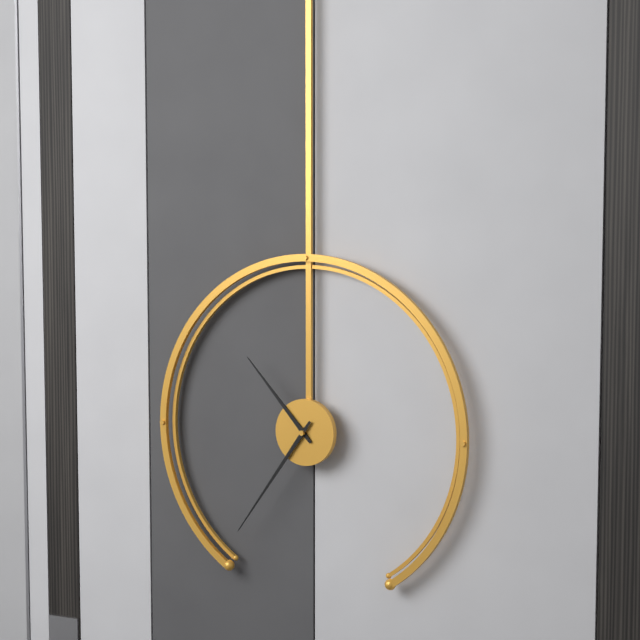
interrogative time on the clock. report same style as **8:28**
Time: **10:36**
